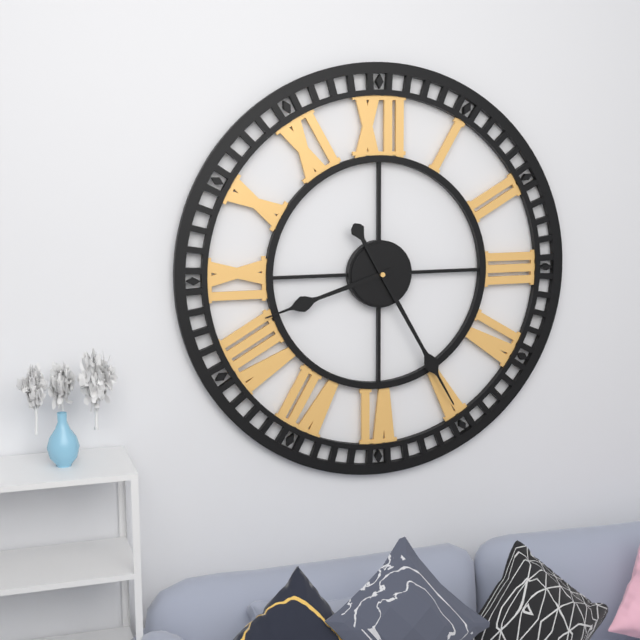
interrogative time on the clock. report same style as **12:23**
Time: **8:25**
